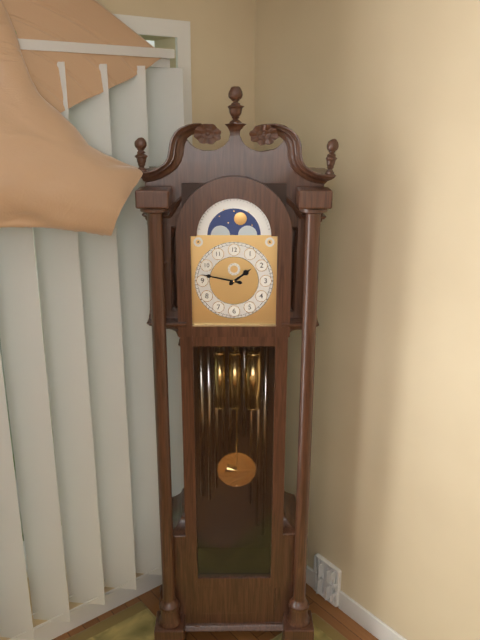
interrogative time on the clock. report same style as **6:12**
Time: **1:47**
